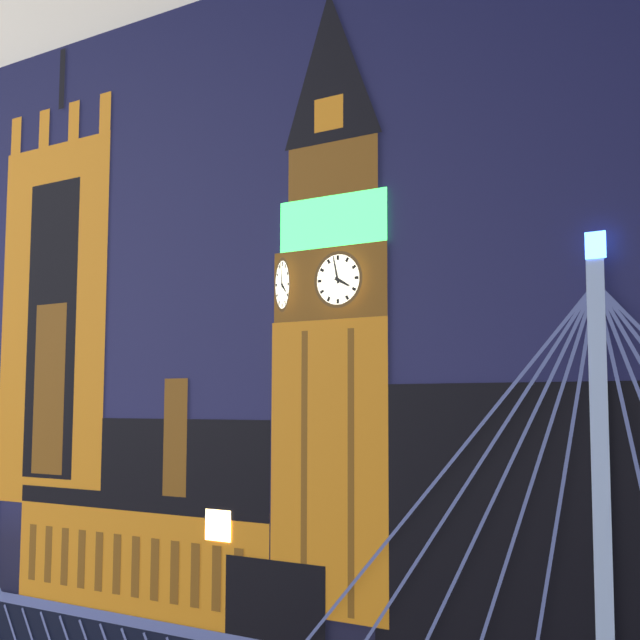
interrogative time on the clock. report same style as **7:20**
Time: **3:58**
